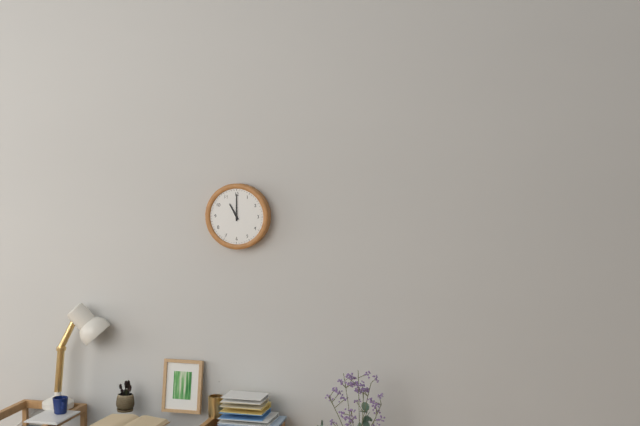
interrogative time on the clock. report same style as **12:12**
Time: **11:00**
